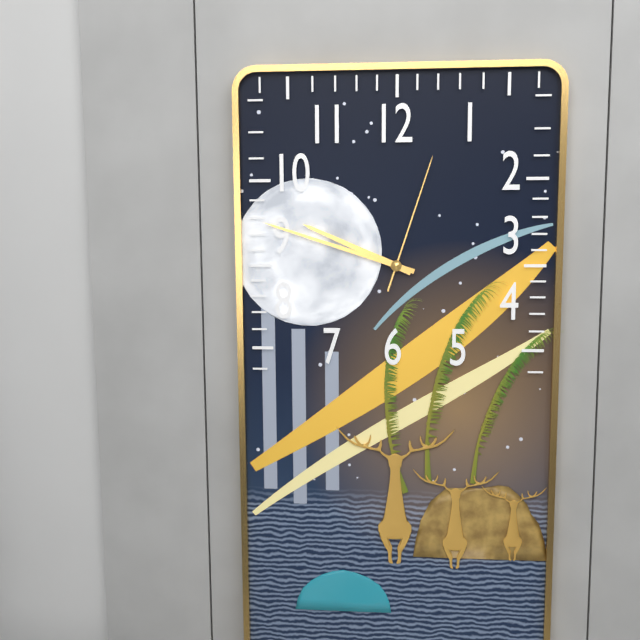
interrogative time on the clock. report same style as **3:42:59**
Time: **9:48:03**
